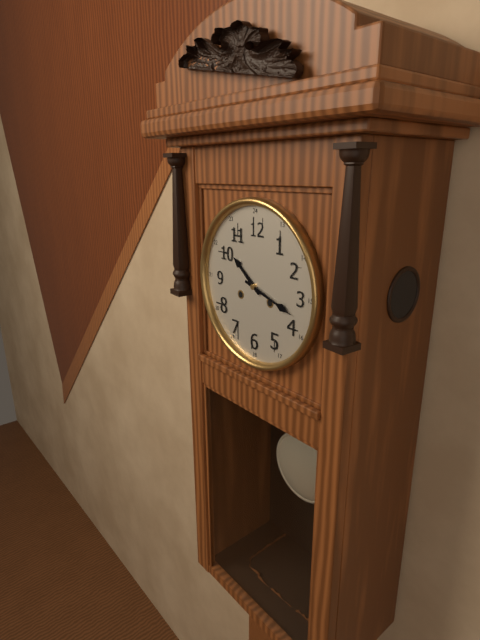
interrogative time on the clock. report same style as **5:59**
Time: **10:18**
